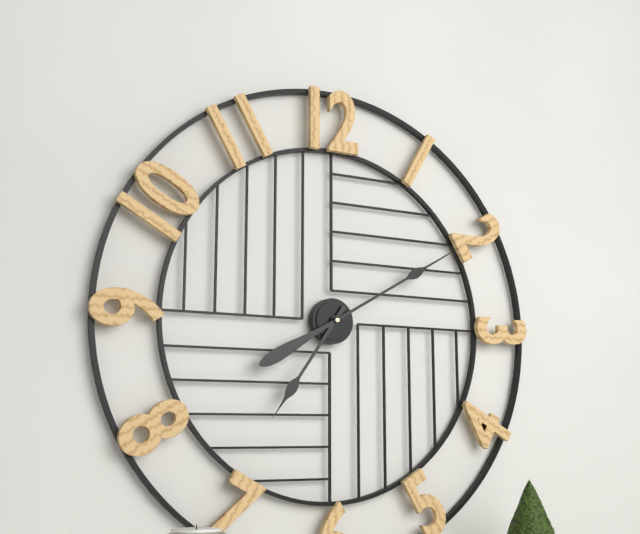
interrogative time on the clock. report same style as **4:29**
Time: **7:10**
